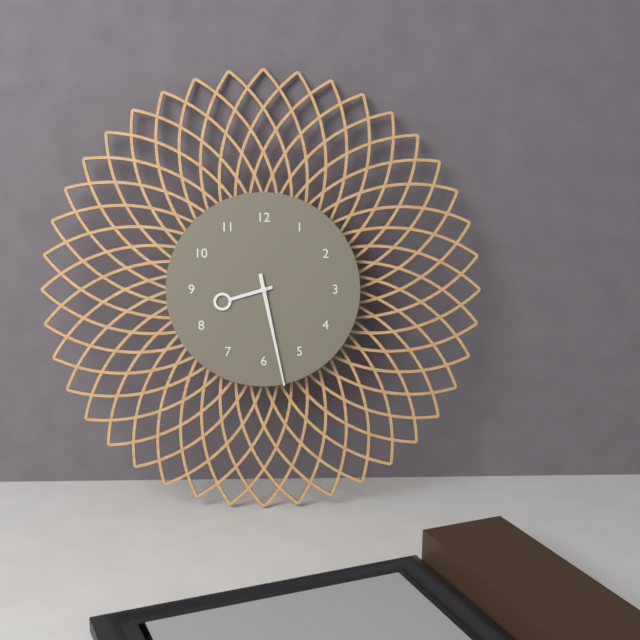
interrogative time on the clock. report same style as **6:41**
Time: **8:28**
